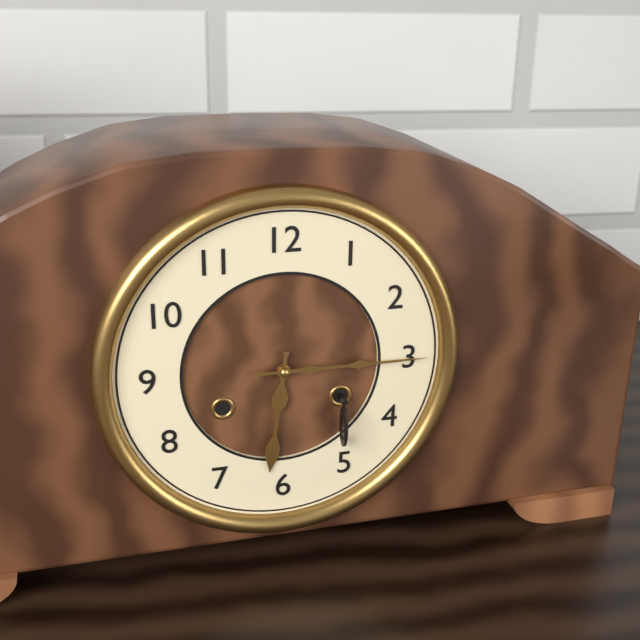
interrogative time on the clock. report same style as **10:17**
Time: **6:15**
